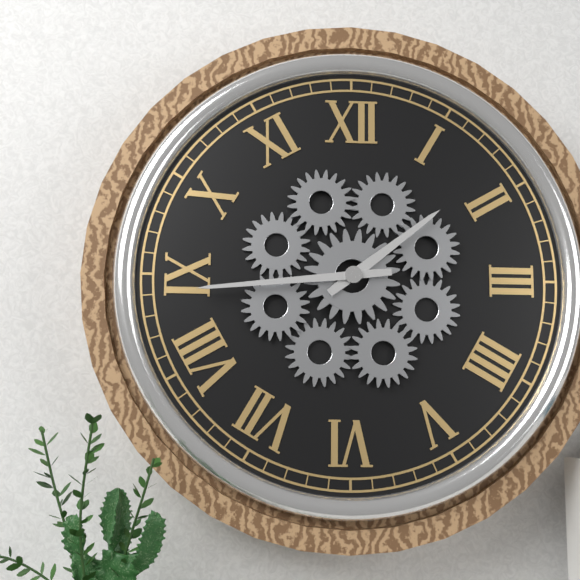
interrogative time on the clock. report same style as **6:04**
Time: **1:44**
